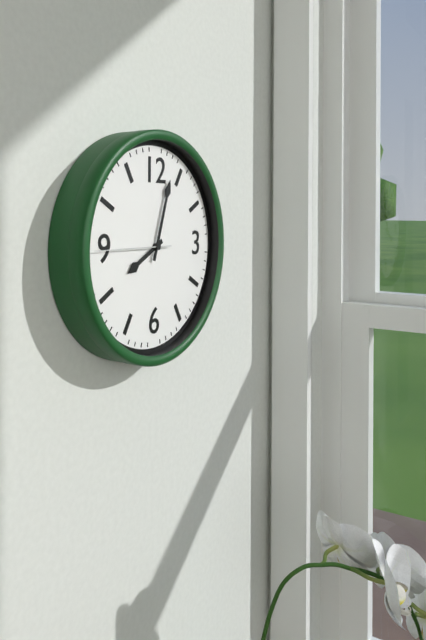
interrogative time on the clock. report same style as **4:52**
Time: **8:03**
